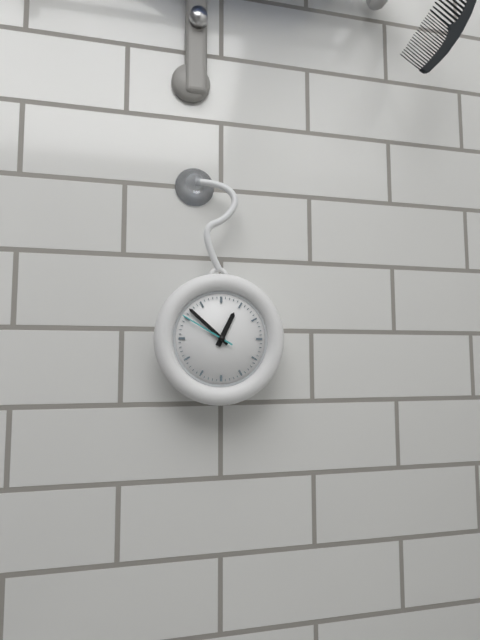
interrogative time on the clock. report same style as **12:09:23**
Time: **12:52:50**
